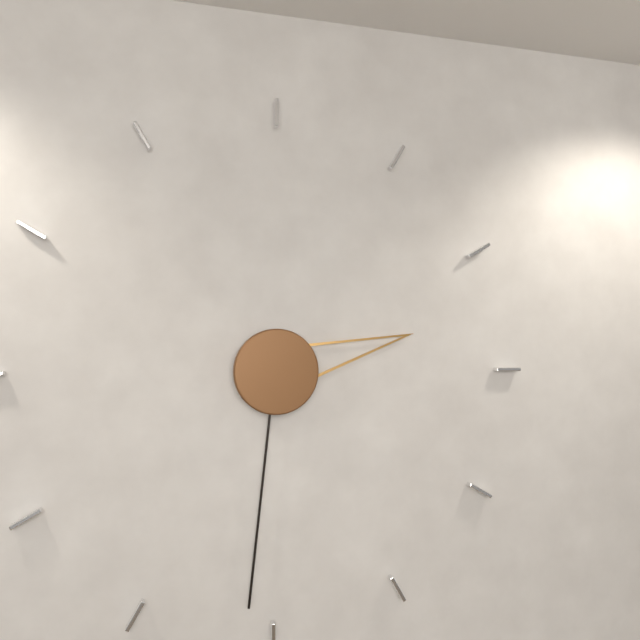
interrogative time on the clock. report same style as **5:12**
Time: **2:31**
